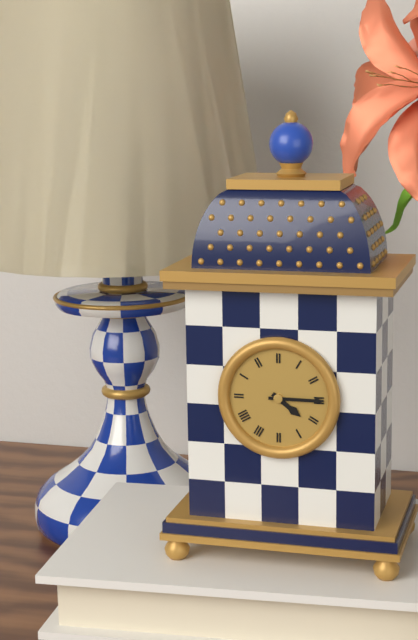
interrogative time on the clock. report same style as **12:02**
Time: **4:15**
